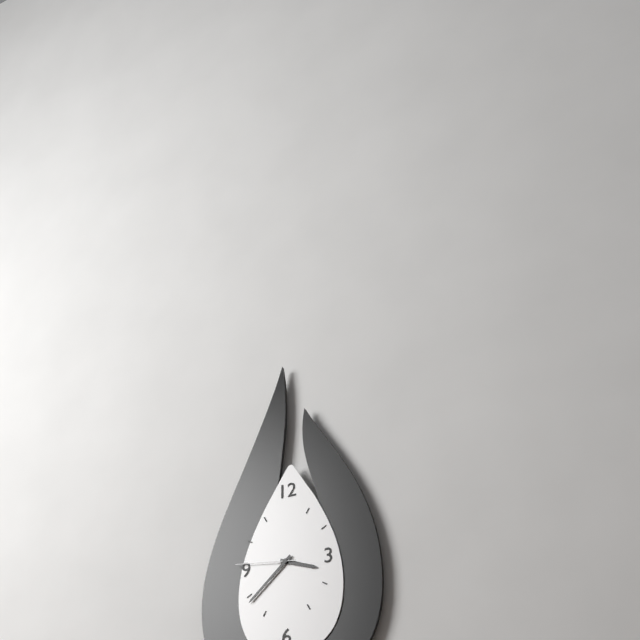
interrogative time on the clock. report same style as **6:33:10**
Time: **3:38:46**
